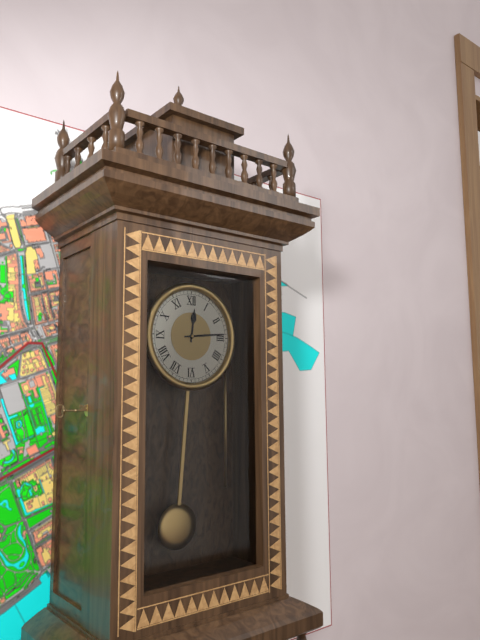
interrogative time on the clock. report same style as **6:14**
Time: **12:14**
